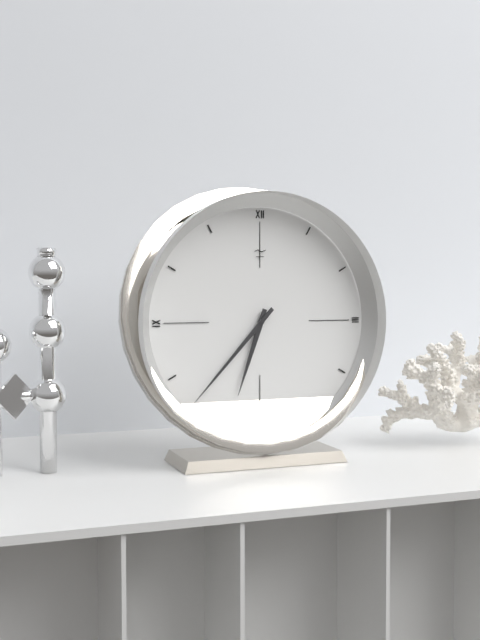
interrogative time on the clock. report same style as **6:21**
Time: **6:37**
